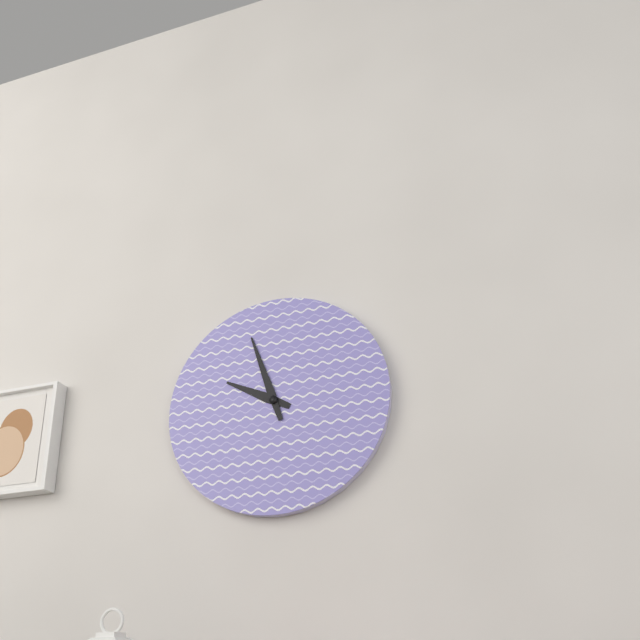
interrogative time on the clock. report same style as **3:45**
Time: **9:57**
